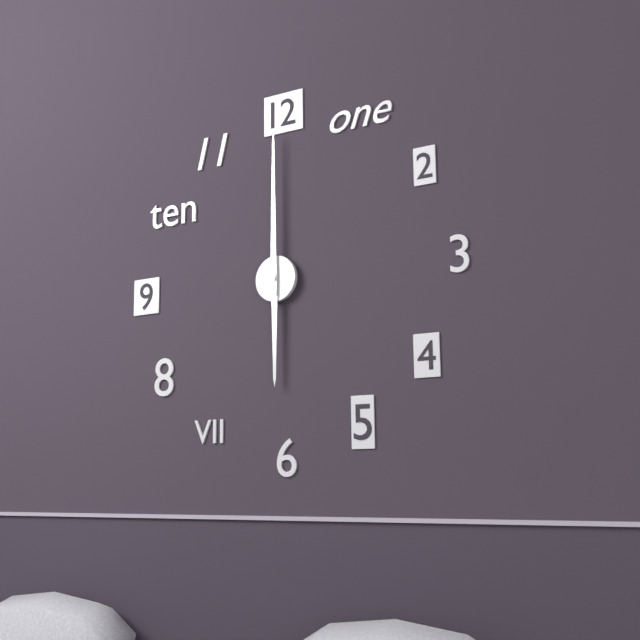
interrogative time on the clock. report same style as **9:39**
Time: **6:00**
